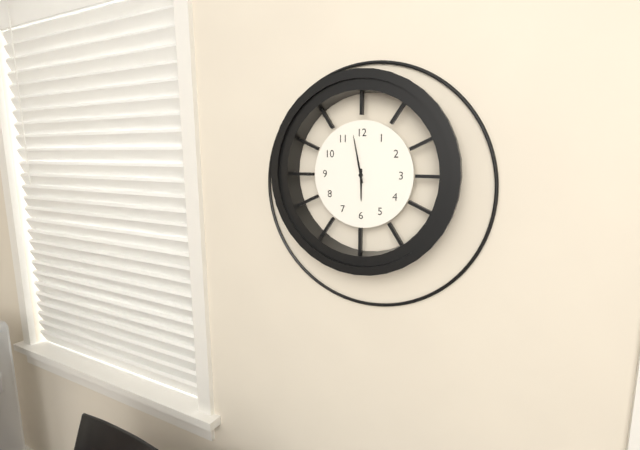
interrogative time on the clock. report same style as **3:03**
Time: **5:58**
